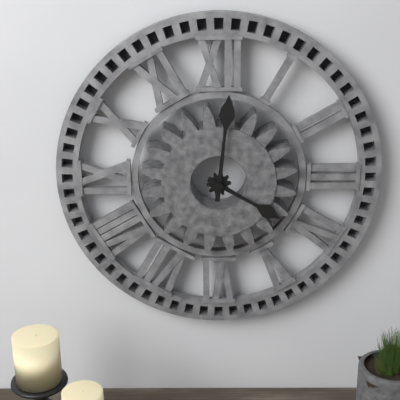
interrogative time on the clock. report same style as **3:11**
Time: **4:01**
